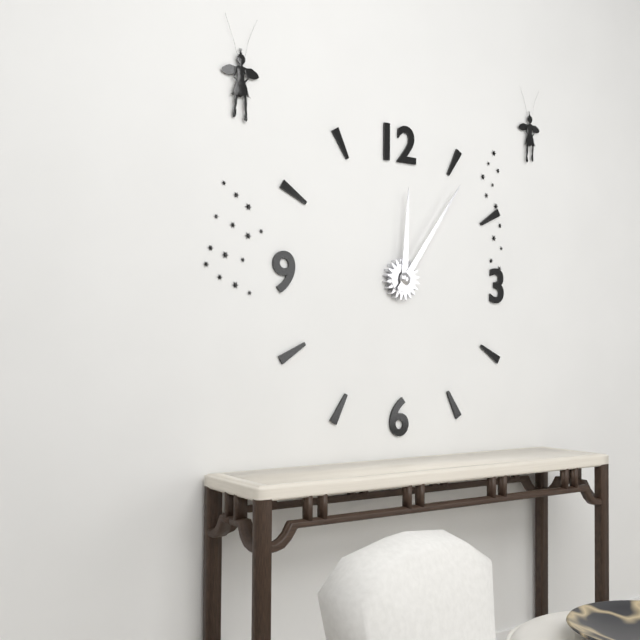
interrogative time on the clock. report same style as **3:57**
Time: **12:06**
